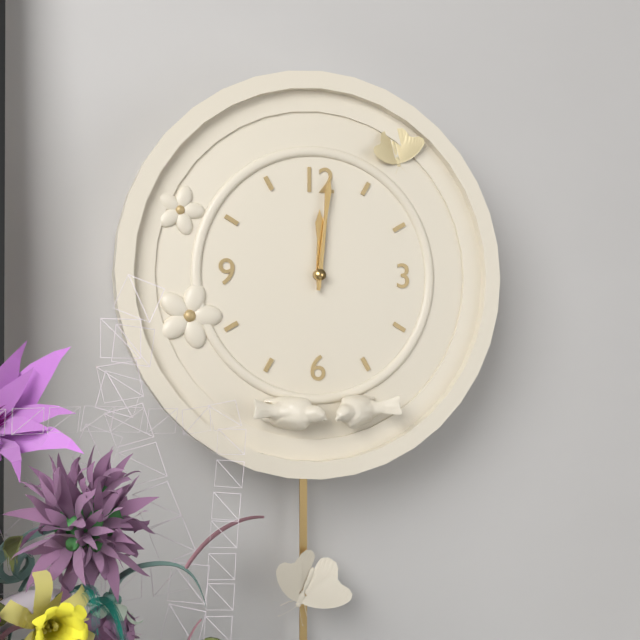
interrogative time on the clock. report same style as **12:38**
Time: **12:01**
